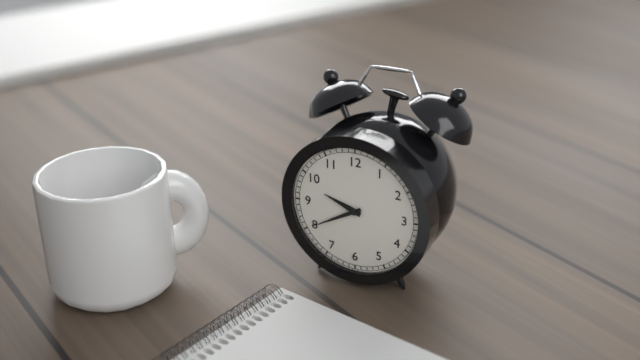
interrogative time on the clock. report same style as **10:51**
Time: **9:40**
